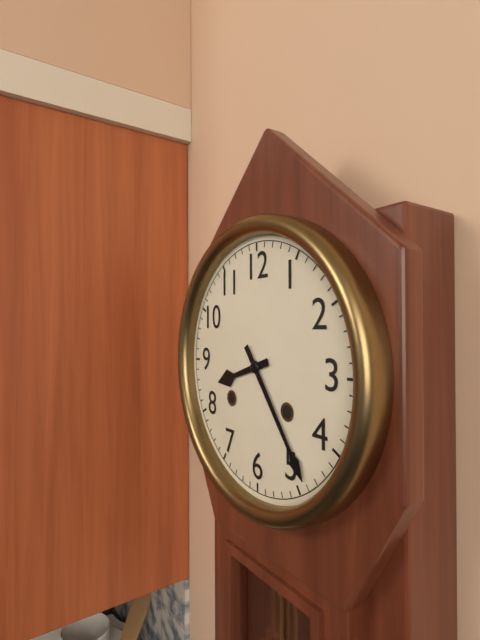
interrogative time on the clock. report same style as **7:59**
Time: **8:24**
